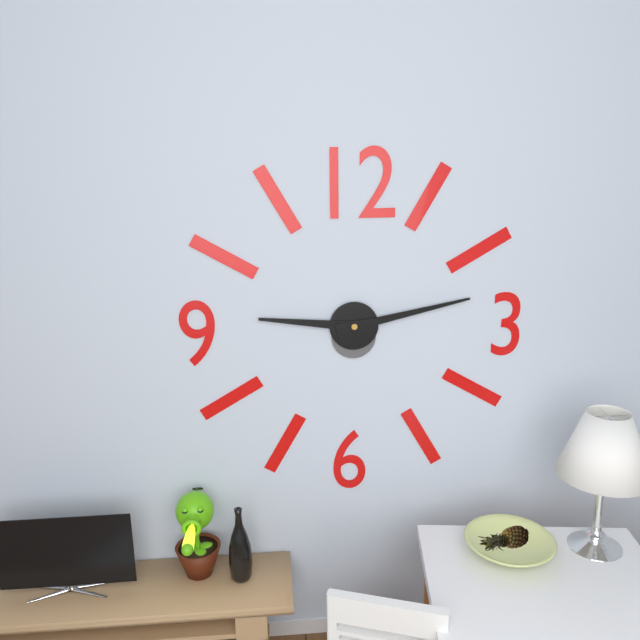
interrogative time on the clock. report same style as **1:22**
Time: **9:13**
